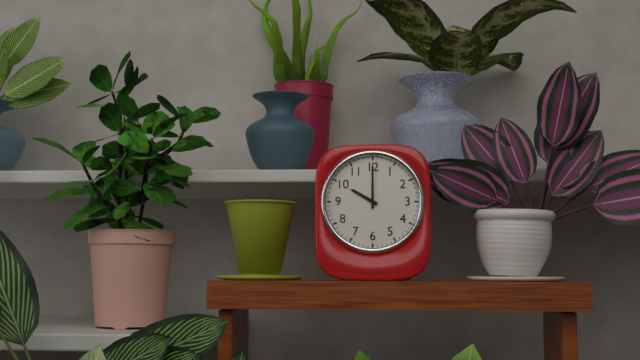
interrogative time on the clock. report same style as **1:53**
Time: **10:00**
